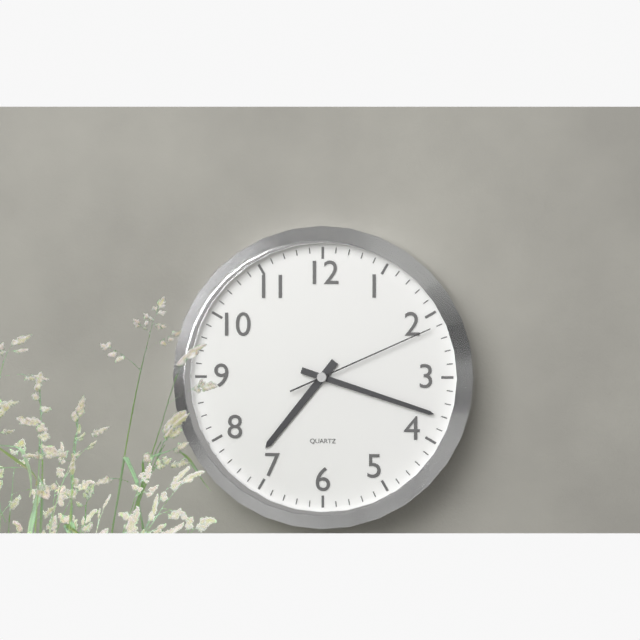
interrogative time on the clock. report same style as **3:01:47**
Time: **7:18:11**
